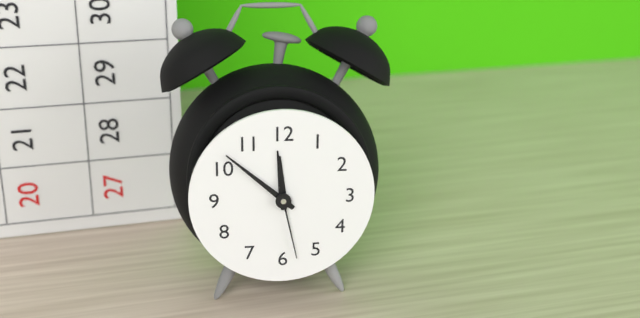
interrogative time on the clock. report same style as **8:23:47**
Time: **11:52:28**
